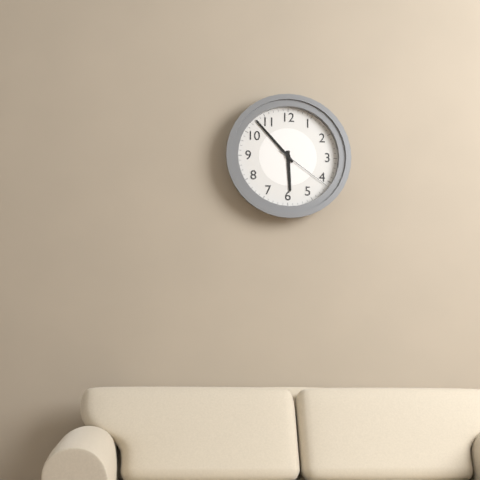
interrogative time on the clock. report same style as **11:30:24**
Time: **5:53:21**
